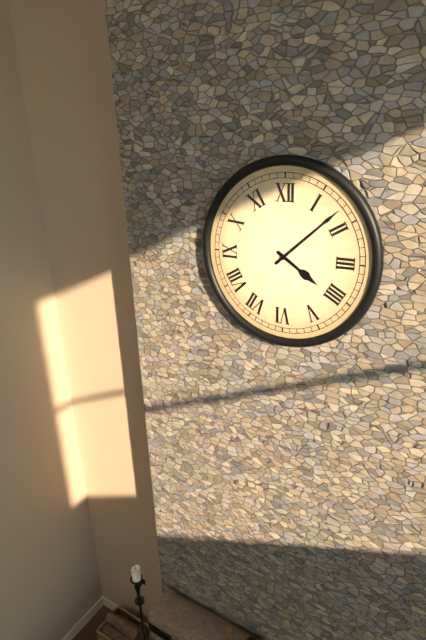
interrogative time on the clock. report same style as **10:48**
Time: **4:08**
